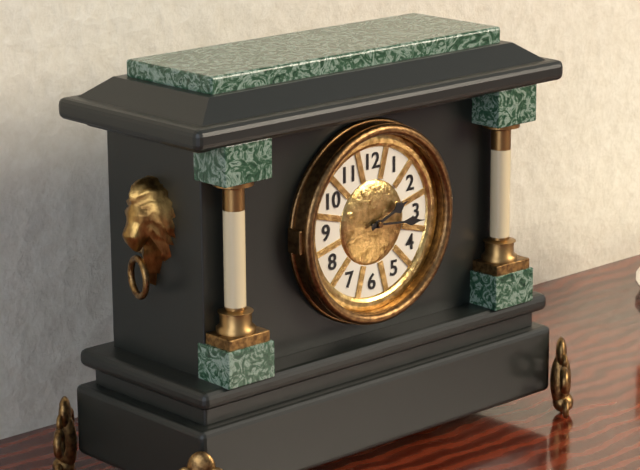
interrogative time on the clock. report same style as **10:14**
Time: **2:16**
